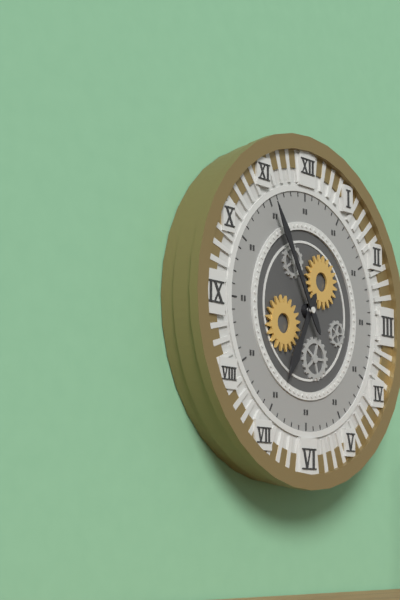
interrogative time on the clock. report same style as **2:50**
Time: **6:55**
